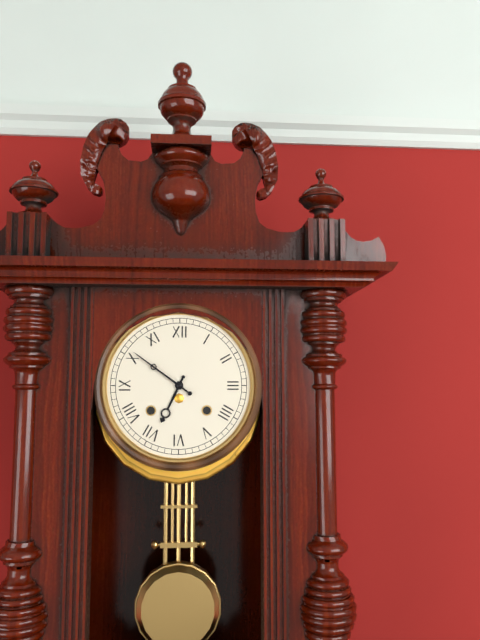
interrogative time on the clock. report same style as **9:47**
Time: **6:51**
